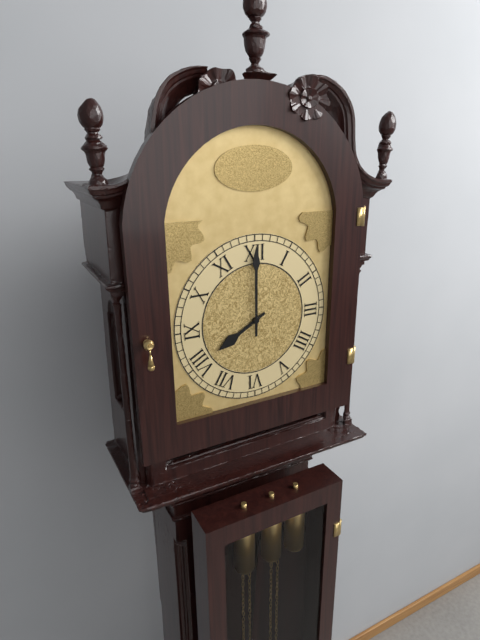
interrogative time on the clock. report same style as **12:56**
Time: **8:00**
